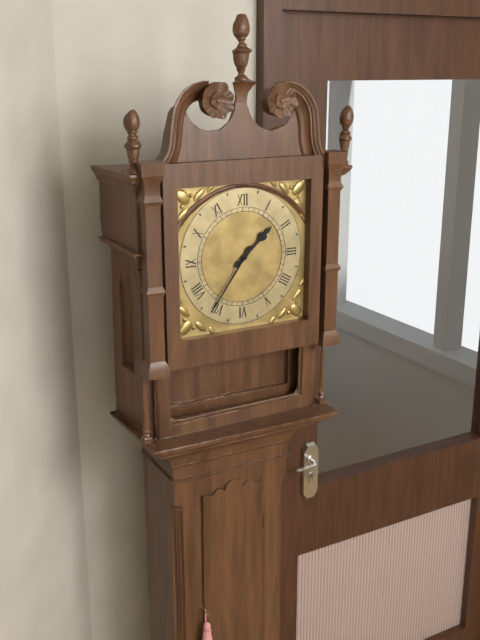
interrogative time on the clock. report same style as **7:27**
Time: **1:36**
